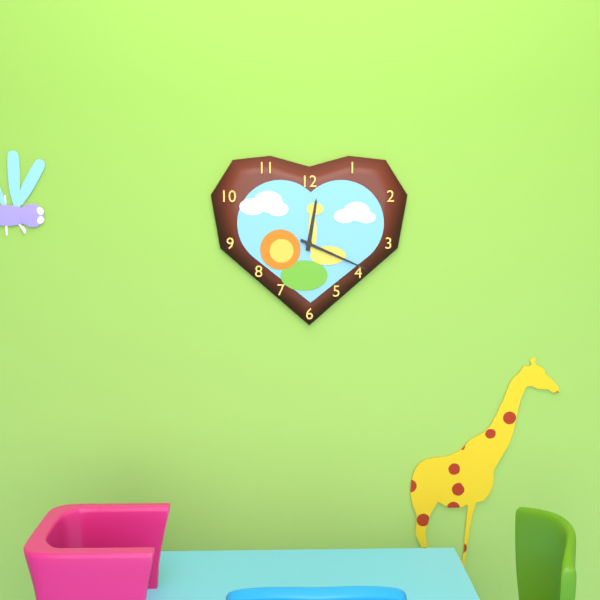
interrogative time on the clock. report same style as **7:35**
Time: **12:19**
